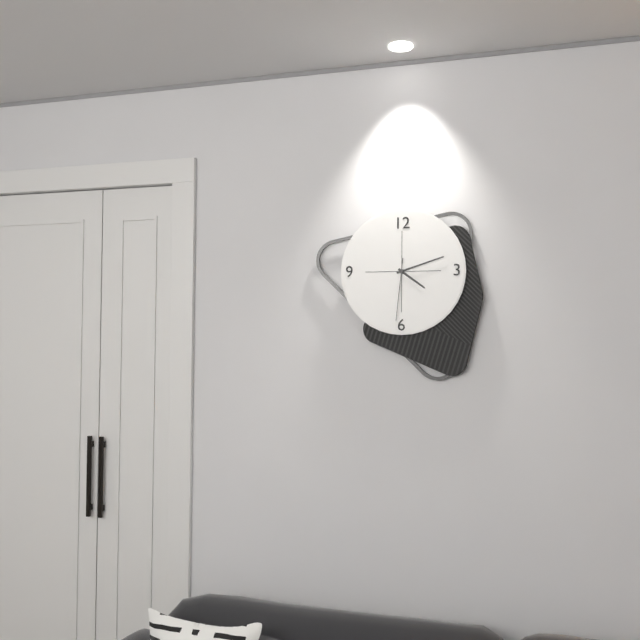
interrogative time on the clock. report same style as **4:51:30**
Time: **4:12:31**
